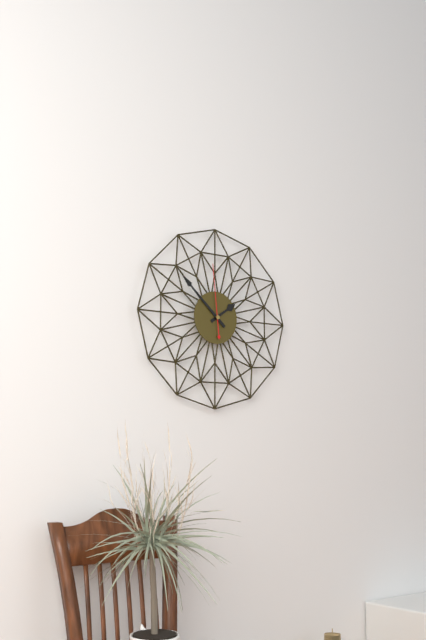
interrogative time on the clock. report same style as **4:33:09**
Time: **1:52:59**
